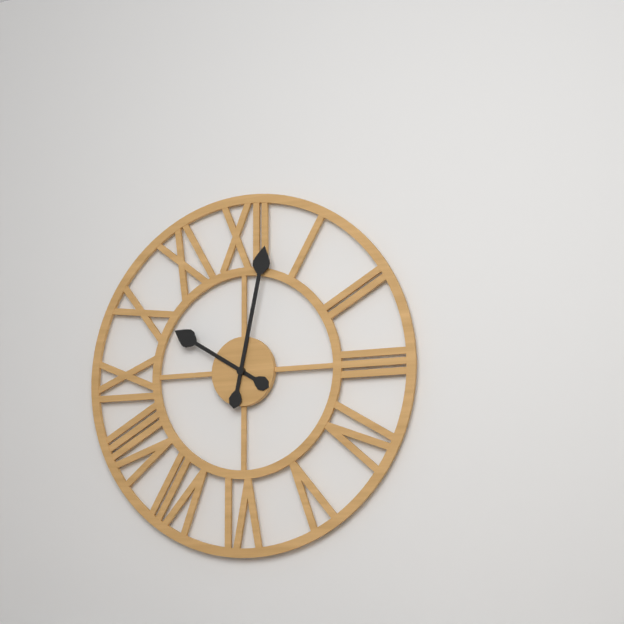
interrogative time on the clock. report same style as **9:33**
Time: **10:02**
